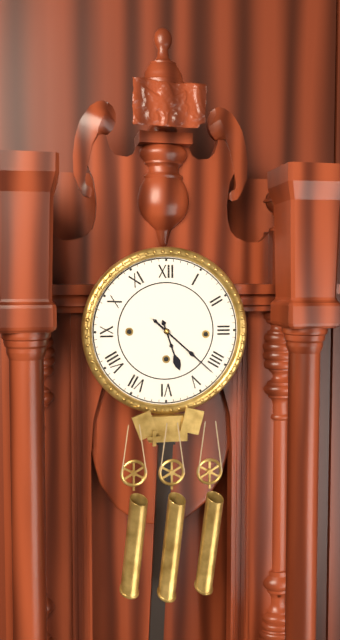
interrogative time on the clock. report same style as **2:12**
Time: **5:22**
